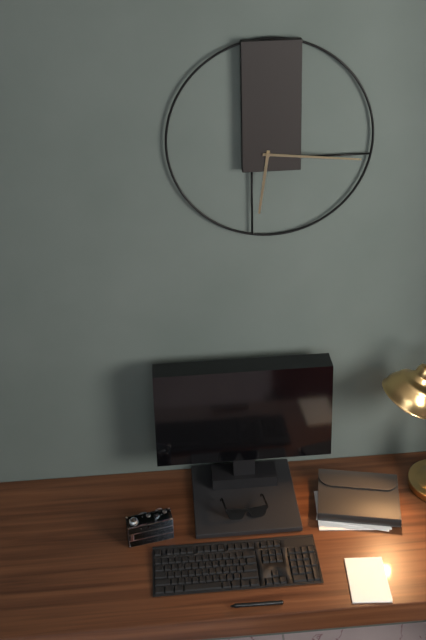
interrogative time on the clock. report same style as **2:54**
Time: **6:16**
